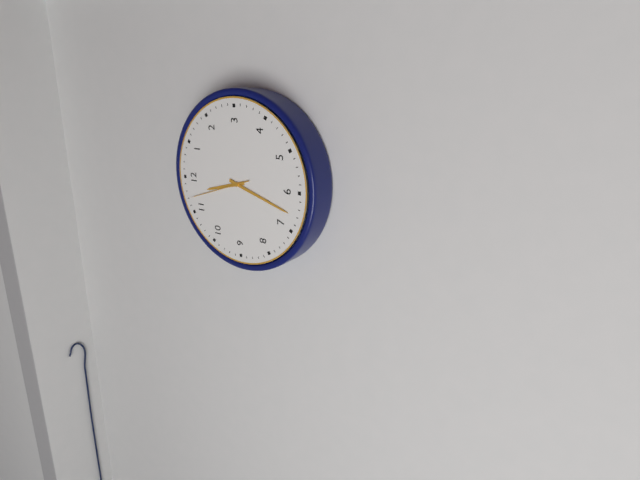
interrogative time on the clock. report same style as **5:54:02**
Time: **11:33:57**
